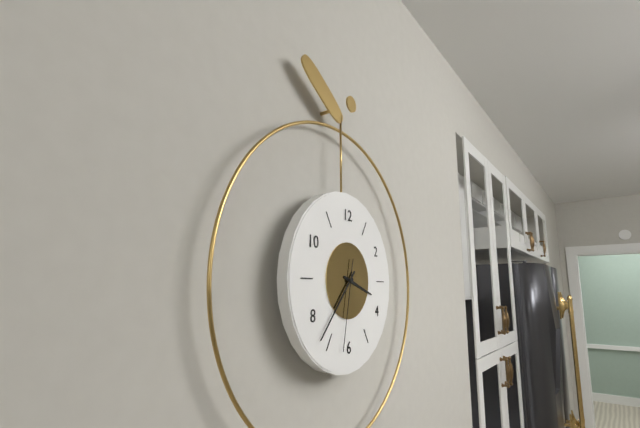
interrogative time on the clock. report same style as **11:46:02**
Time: **3:37:32**
